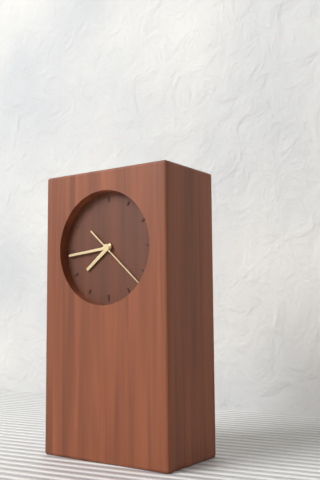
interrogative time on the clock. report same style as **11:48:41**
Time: **7:44:22**
